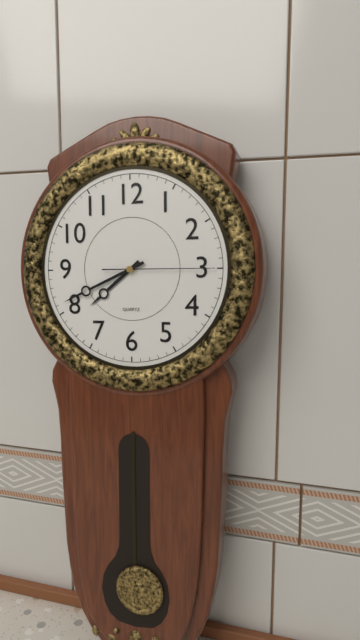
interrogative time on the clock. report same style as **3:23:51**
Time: **7:41:15**
